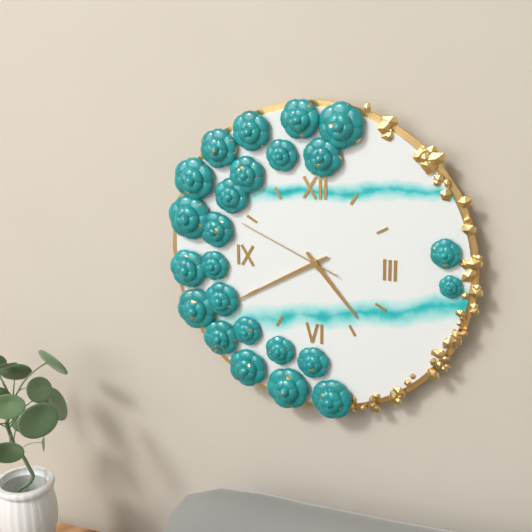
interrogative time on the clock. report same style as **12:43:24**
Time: **4:40:49**
